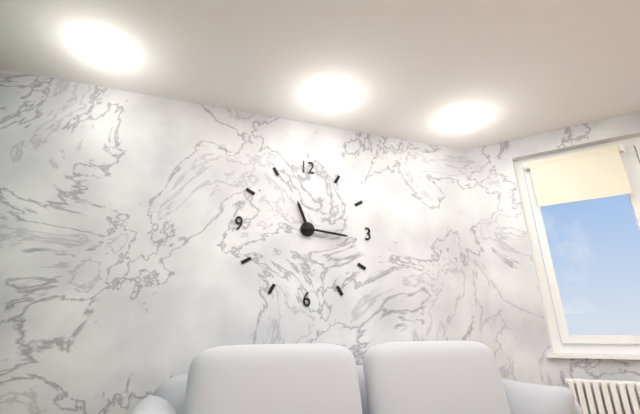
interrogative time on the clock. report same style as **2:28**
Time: **11:16**
